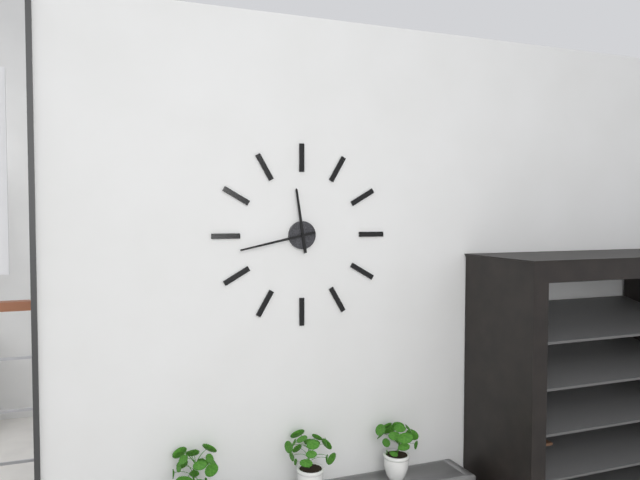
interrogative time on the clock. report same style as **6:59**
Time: **11:43**
